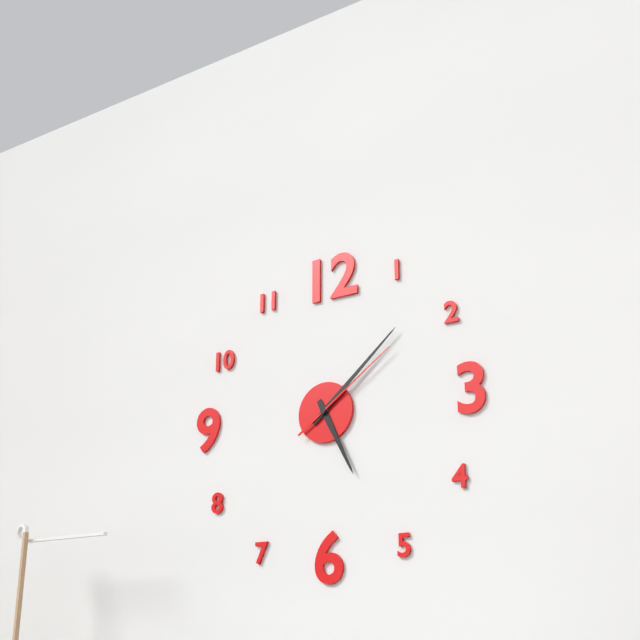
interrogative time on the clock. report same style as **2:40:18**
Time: **5:08:09**
